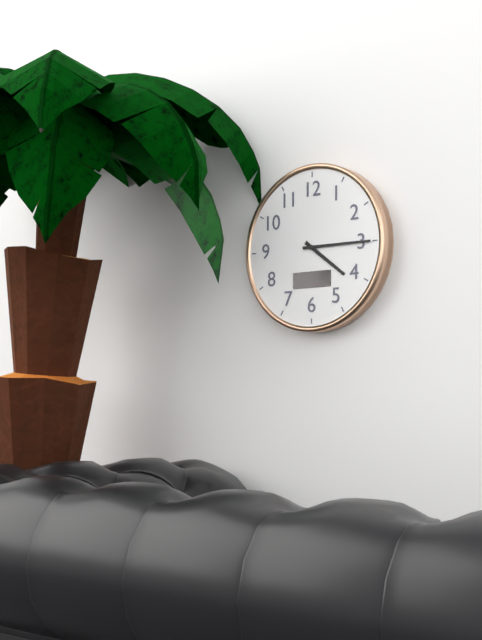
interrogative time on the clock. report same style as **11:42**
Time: **4:15**
